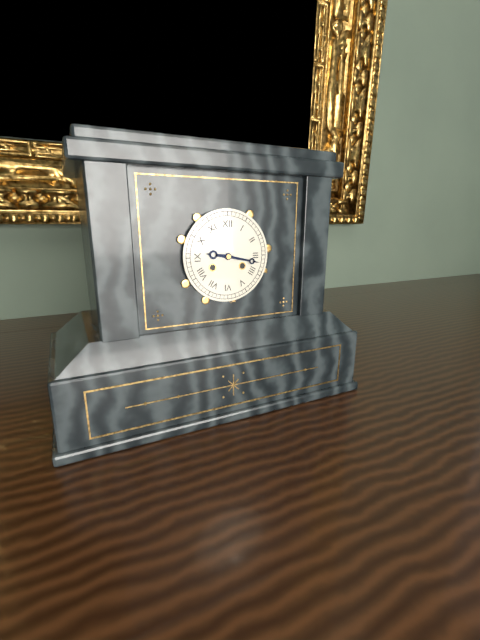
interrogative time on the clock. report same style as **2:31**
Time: **9:17**
